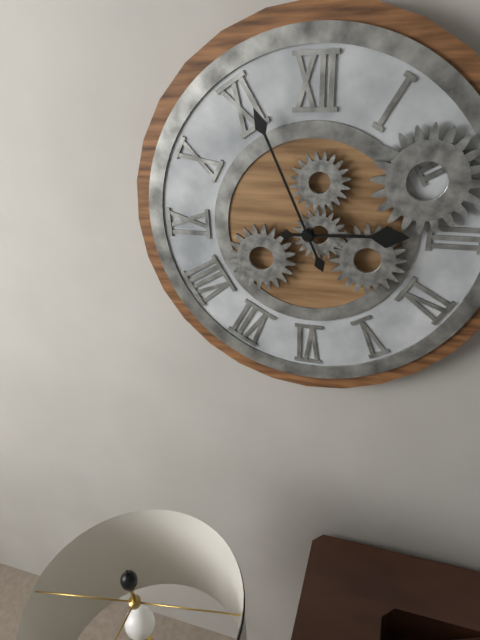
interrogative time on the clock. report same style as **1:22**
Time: **2:56**
